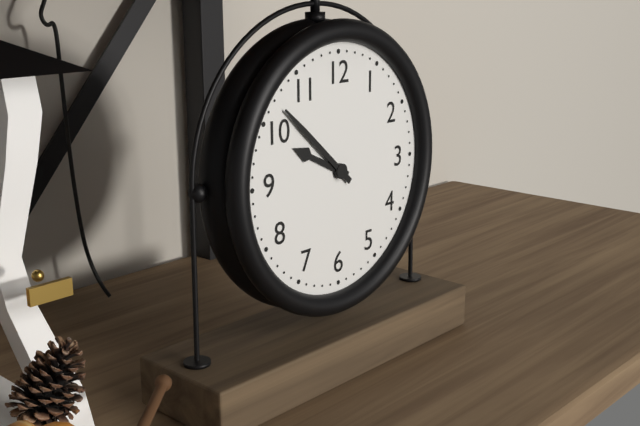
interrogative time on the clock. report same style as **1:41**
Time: **9:52**
